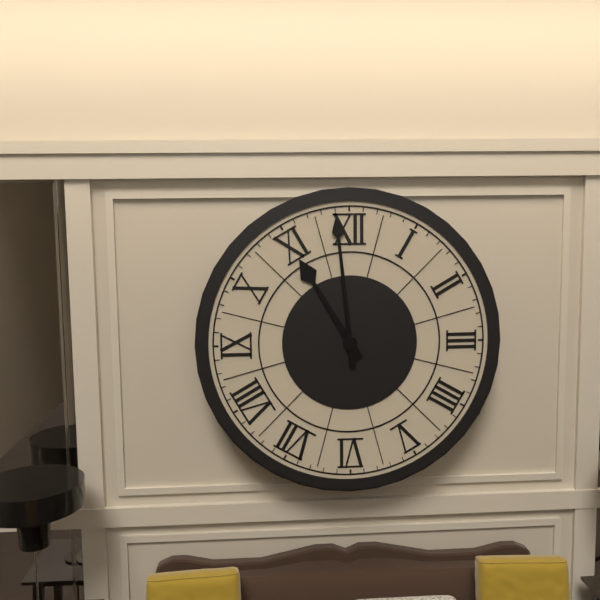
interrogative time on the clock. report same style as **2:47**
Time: **10:59**
